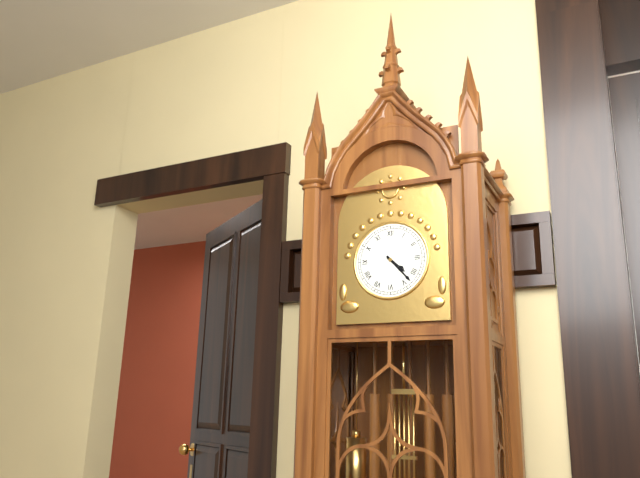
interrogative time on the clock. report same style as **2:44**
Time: **4:23**
